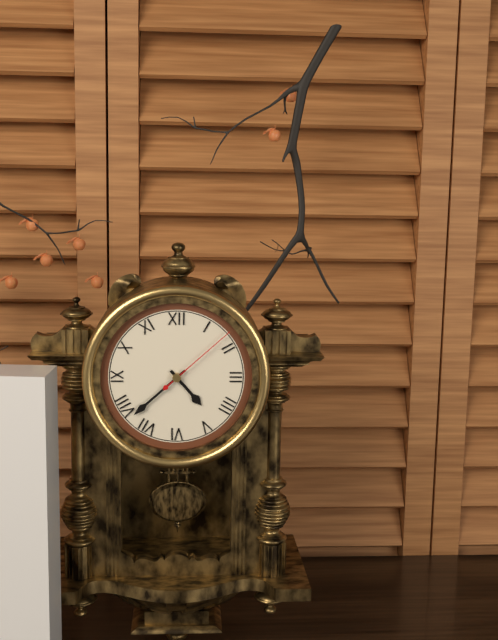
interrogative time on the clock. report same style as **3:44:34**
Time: **4:38:08**
